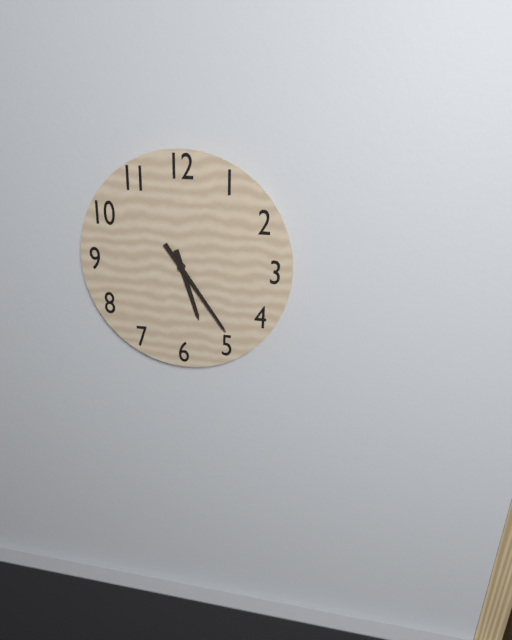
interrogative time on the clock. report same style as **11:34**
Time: **5:24**
